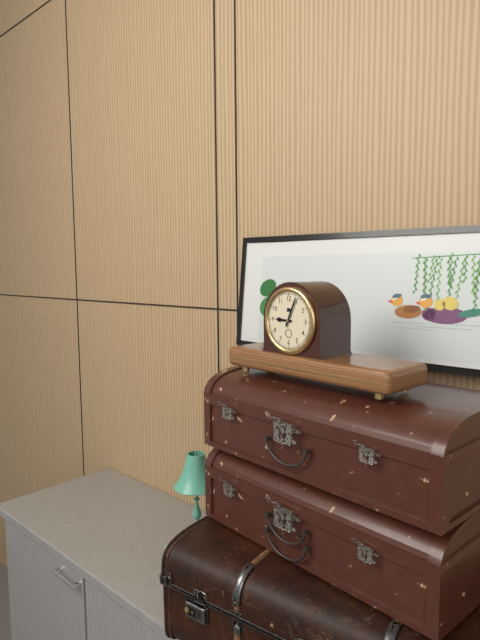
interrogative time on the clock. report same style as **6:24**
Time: **9:04**
